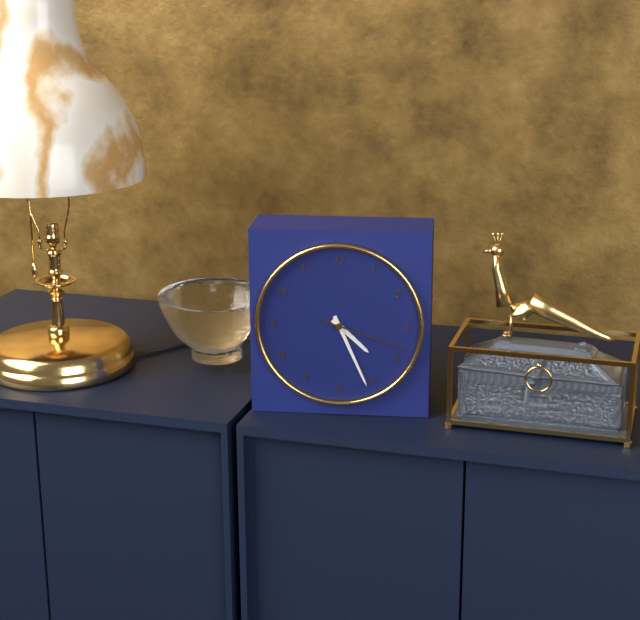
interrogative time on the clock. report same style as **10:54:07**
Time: **4:26:18**
